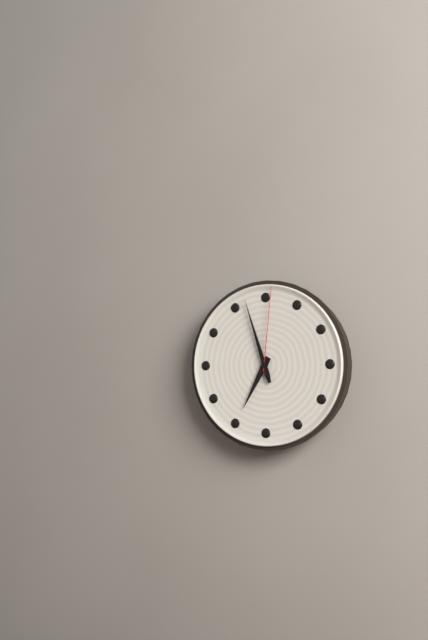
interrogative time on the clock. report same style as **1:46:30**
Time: **6:57:01**
